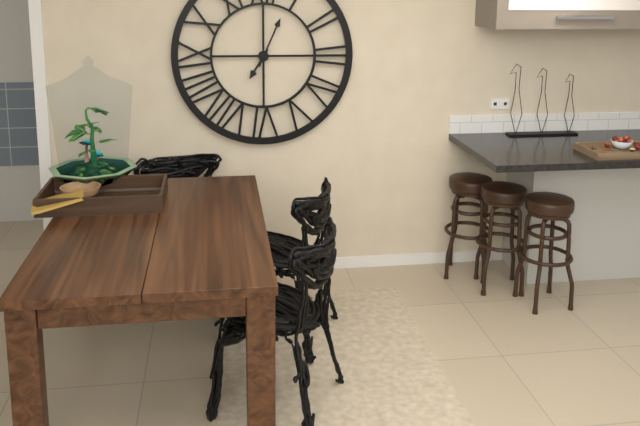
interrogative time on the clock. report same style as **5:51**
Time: **7:04**
